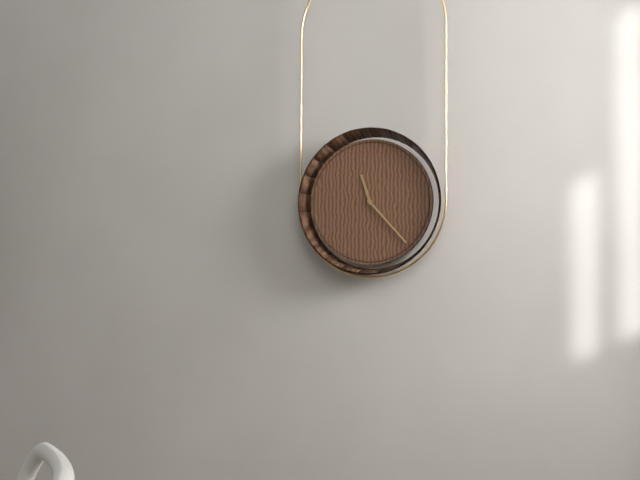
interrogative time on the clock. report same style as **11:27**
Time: **11:23**
